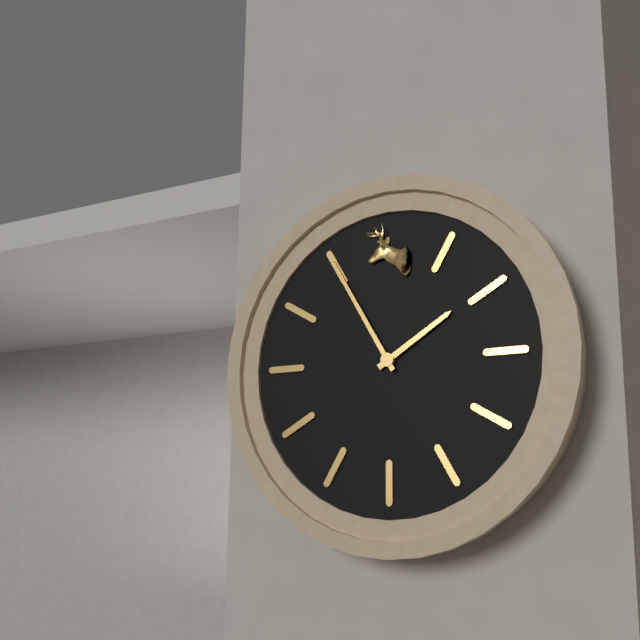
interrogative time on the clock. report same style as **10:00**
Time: **1:55**
